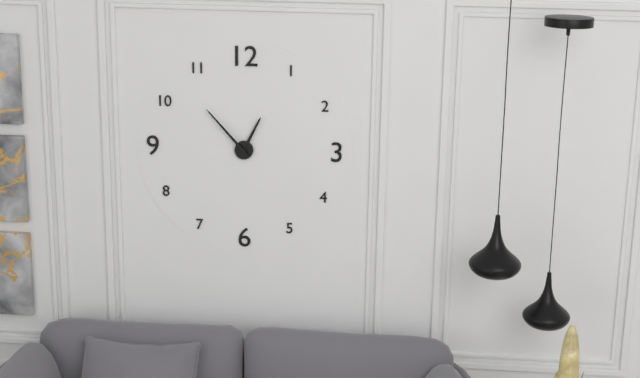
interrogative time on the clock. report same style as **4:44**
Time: **12:53**
